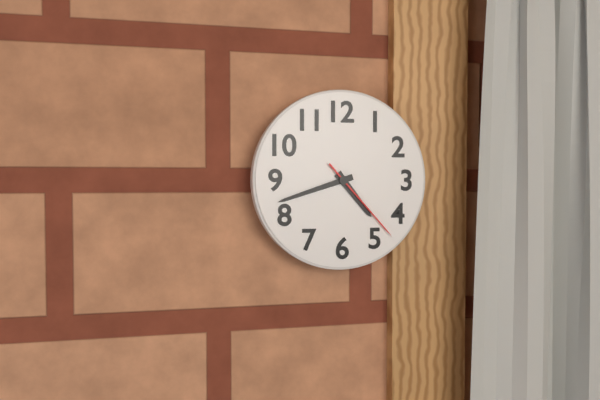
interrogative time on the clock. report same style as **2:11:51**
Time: **4:42:23**
